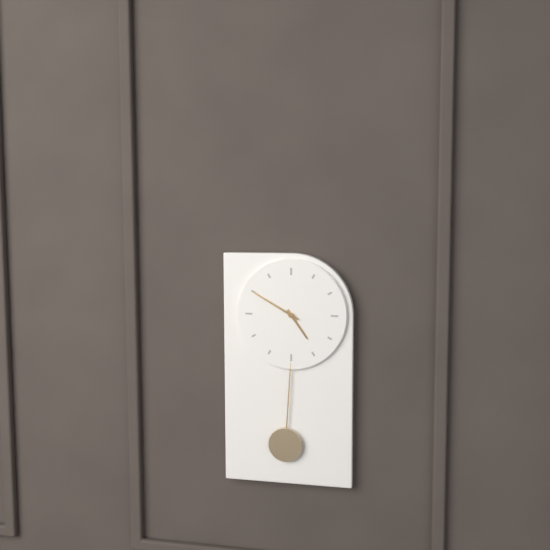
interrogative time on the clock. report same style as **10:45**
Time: **4:50**
